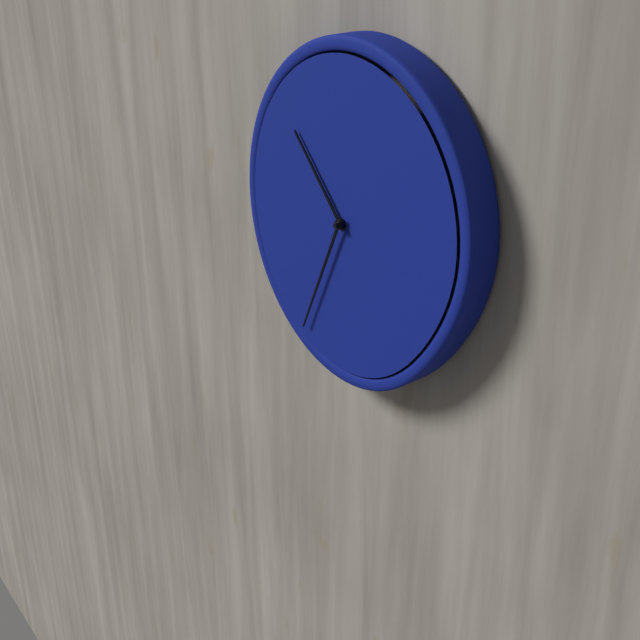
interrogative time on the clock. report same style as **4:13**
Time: **10:34**
